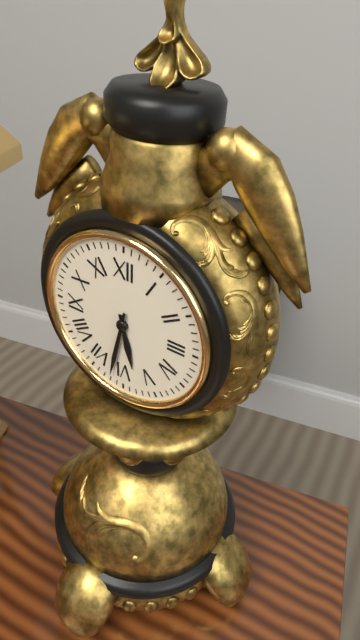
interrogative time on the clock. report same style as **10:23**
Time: **5:32**
